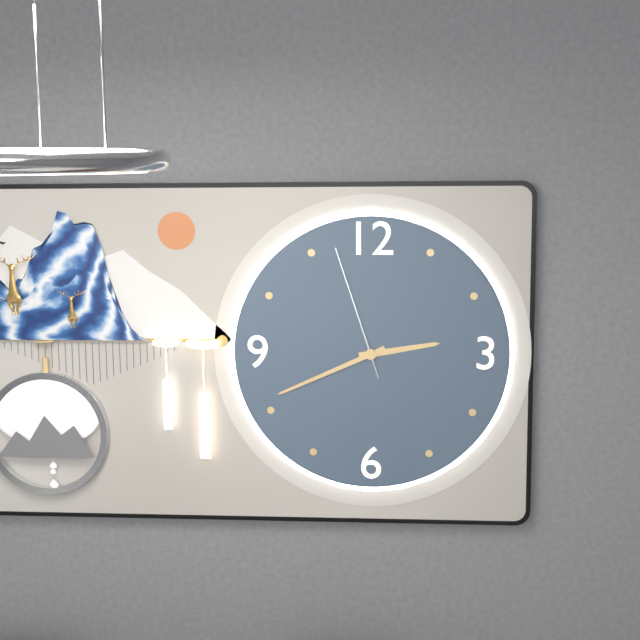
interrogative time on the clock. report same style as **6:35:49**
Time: **2:41:57**
